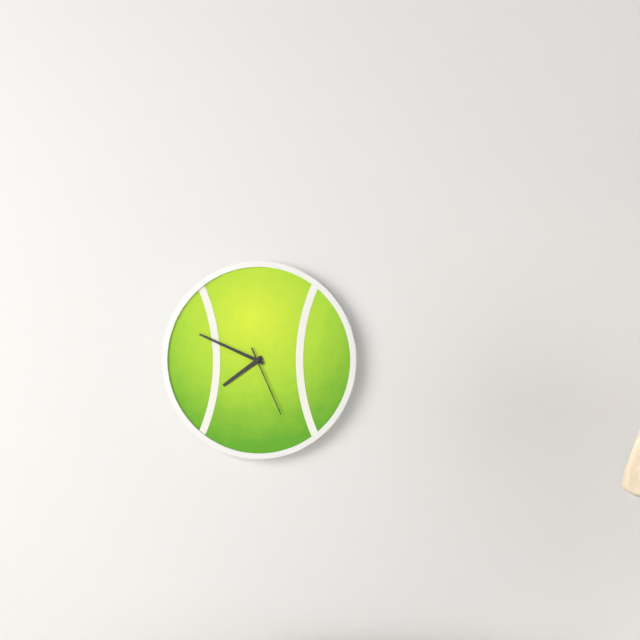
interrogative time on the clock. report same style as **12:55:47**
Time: **7:49:26**
